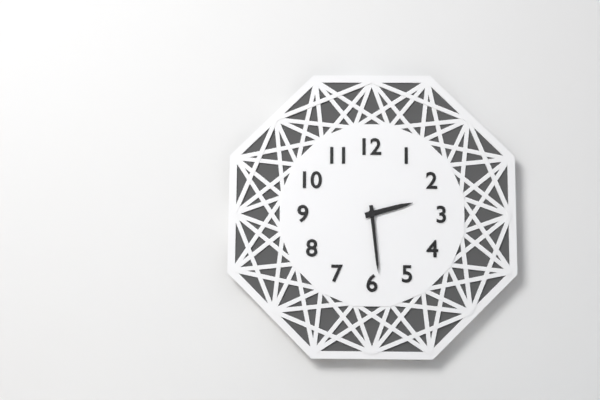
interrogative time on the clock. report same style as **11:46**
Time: **2:29**
